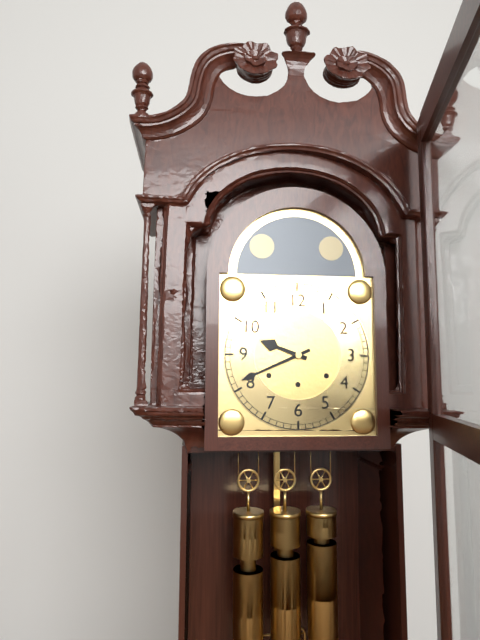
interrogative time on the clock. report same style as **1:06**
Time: **9:41**
